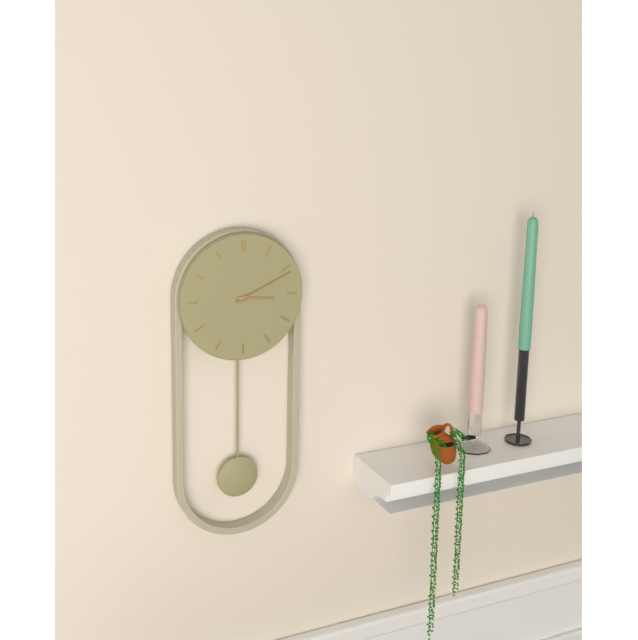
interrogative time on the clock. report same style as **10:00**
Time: **3:11**
